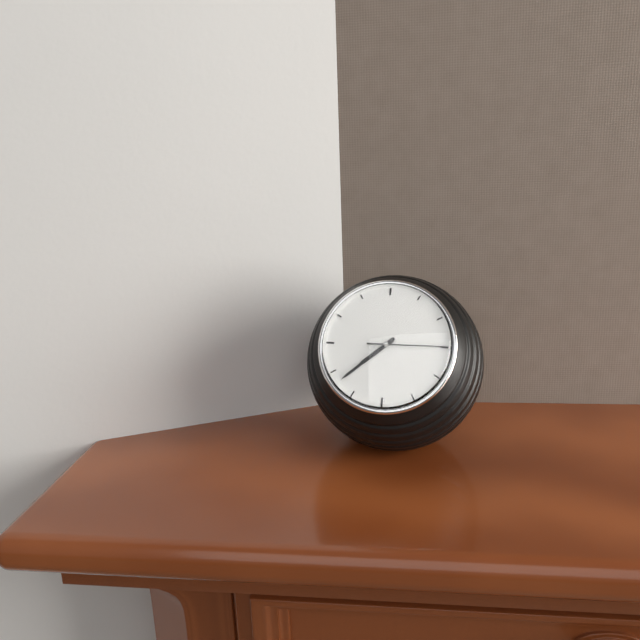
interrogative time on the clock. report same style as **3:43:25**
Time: **7:38:15**
